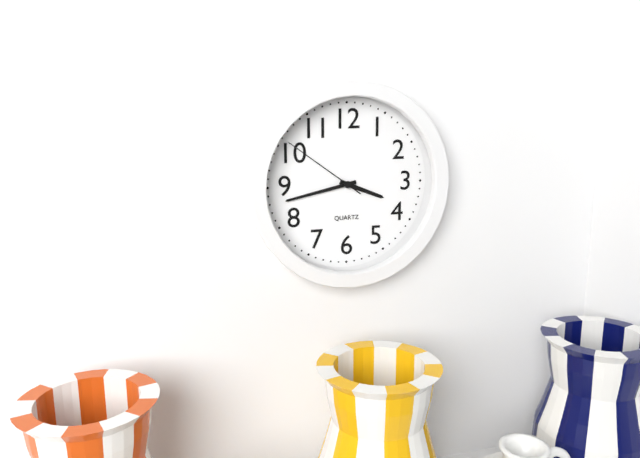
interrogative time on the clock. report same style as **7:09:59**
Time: **3:43:51**
